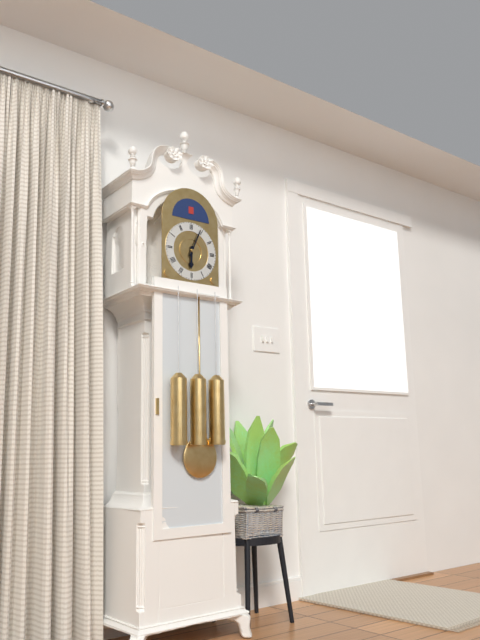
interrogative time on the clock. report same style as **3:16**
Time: **6:04**
